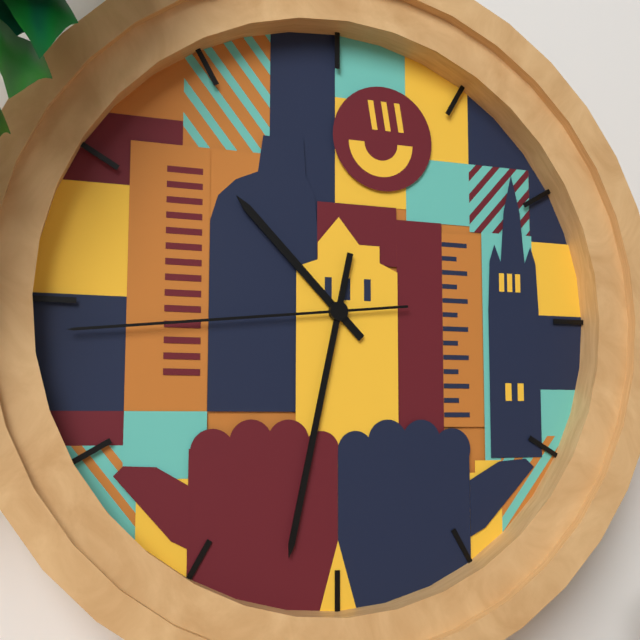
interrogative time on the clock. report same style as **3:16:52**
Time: **10:32:44**
